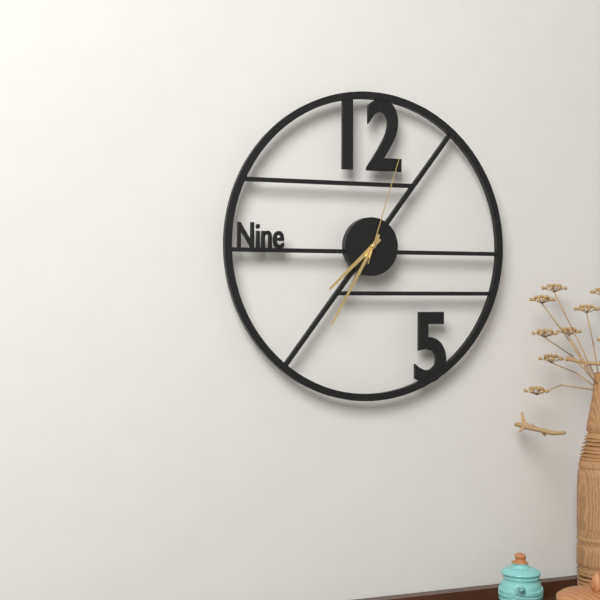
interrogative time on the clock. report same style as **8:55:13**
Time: **7:35:03**
